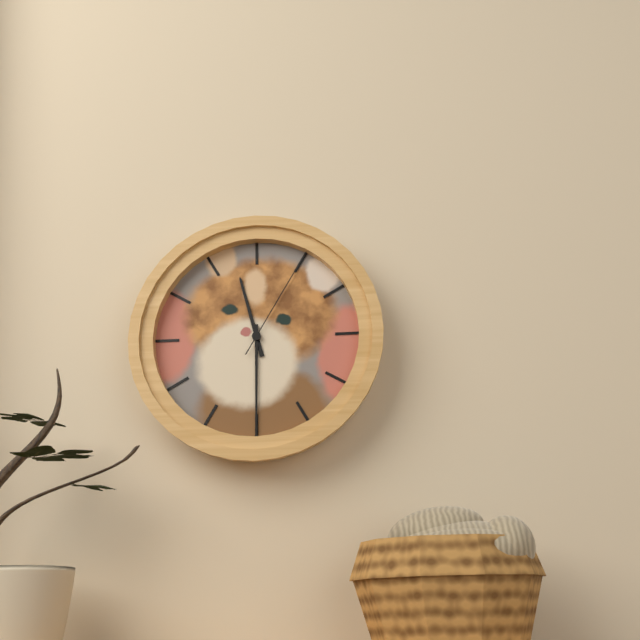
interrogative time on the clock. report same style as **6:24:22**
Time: **11:30:05**
